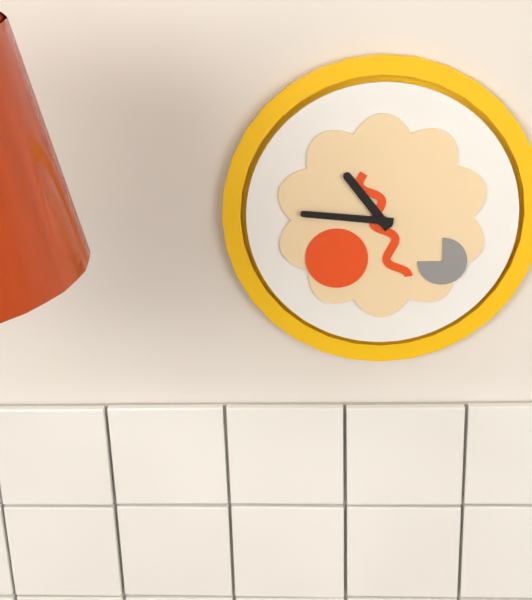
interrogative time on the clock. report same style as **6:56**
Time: **10:46**
